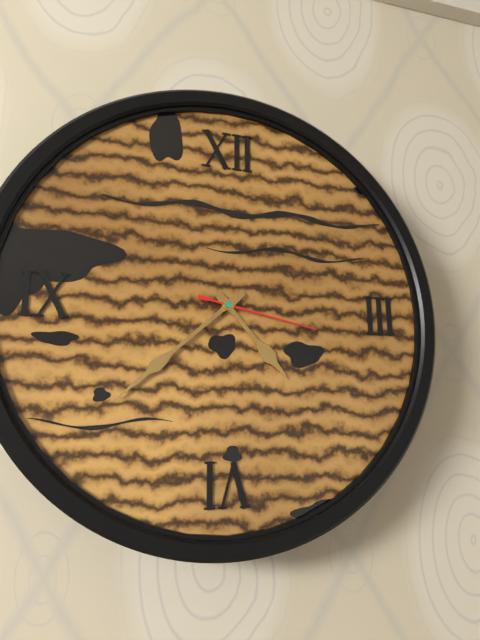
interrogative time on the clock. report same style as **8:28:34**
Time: **4:38:17**
